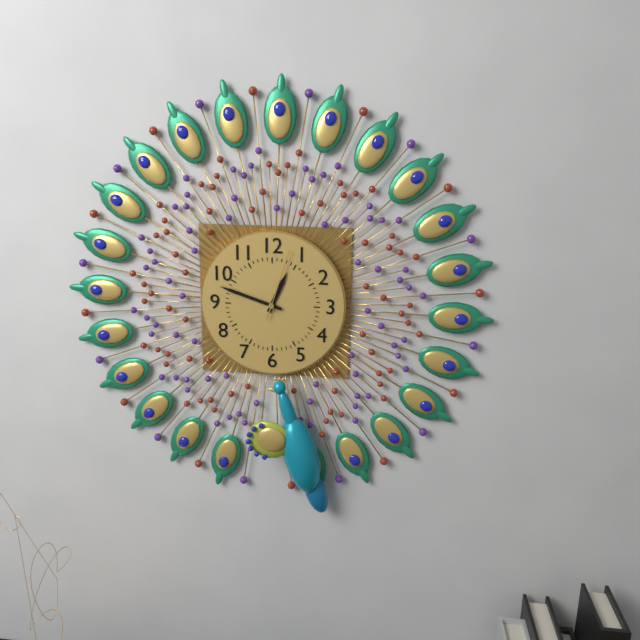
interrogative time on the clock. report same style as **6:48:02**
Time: **12:48:03**
